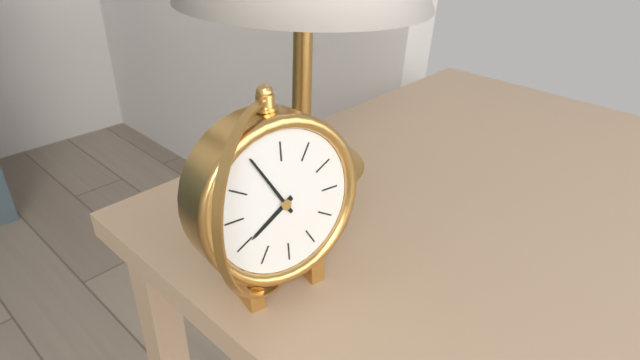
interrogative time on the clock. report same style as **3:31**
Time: **7:55**
